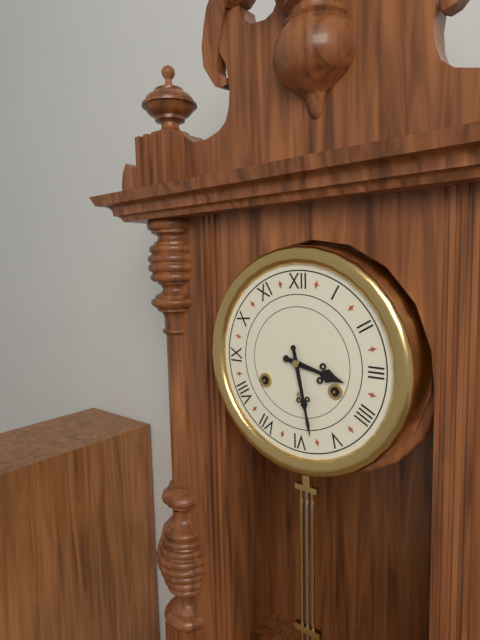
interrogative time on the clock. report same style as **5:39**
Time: **3:28**
